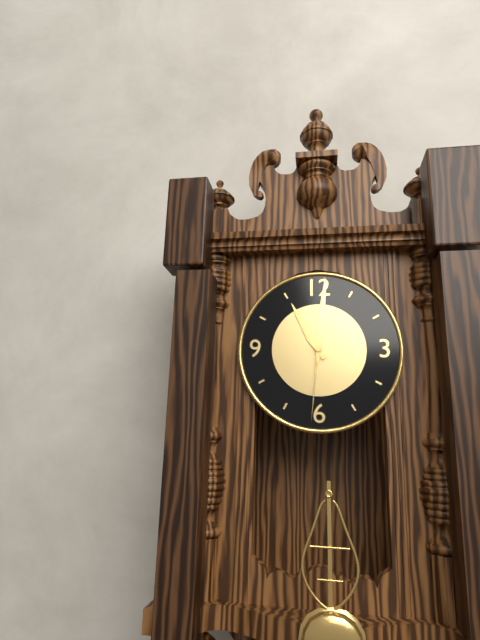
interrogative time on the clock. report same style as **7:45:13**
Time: **11:01:31**
